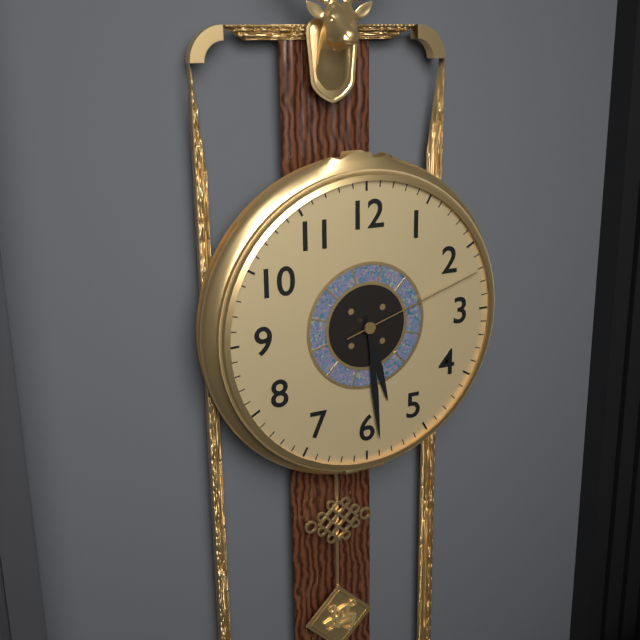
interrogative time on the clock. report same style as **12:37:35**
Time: **5:29:12**
